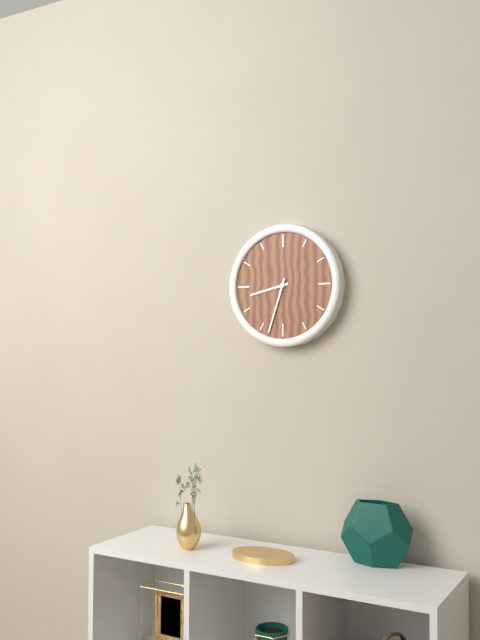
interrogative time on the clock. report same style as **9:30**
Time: **8:33**
